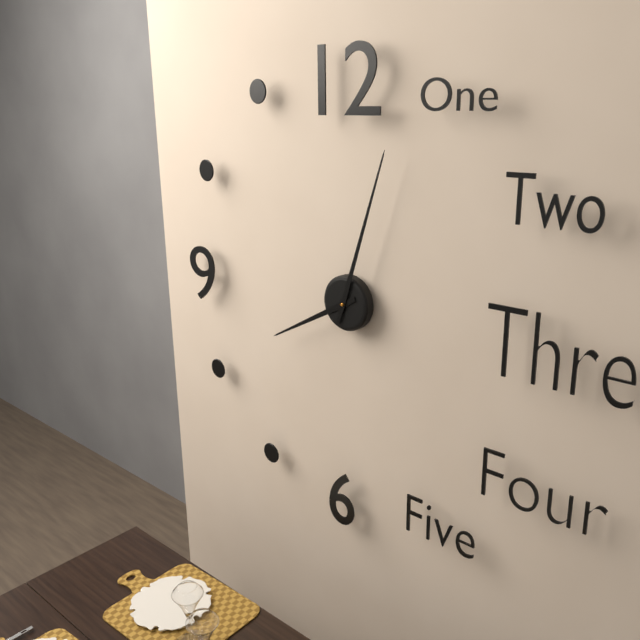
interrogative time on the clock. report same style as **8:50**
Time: **8:03**
